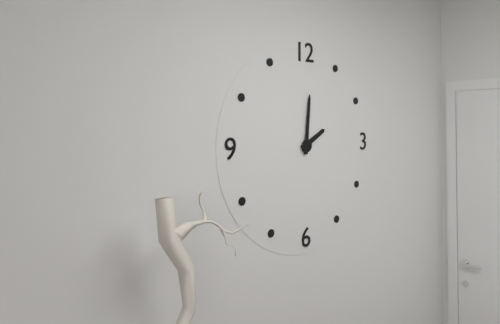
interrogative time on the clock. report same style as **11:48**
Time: **2:01**
